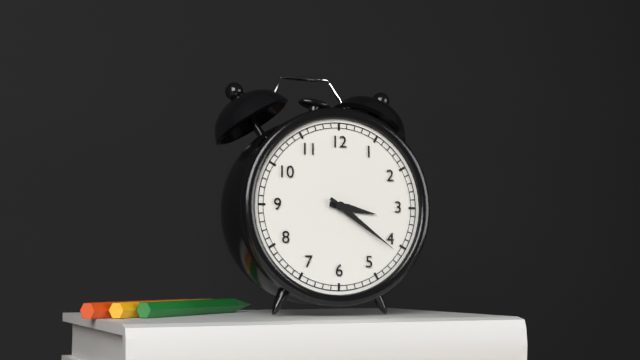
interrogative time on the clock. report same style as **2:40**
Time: **3:21**
